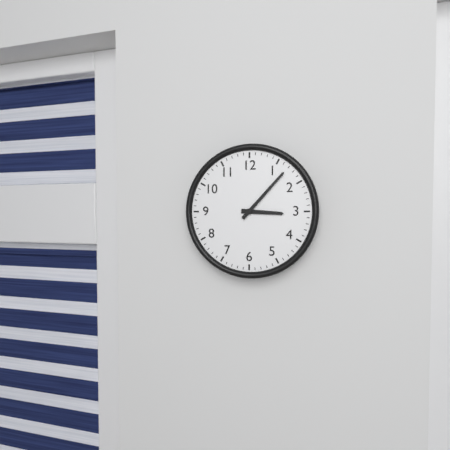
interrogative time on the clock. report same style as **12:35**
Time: **3:07**
